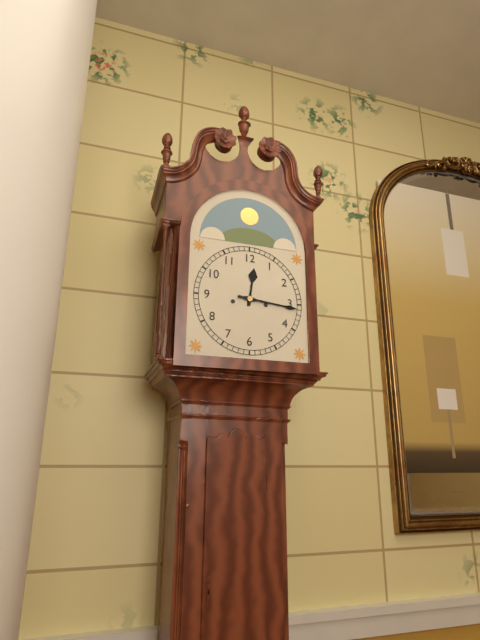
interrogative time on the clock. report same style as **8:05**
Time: **12:16**
